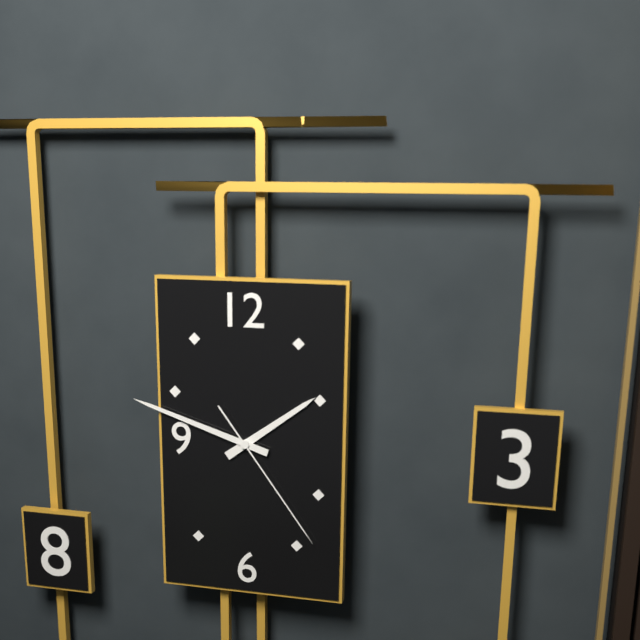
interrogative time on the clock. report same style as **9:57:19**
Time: **1:48:24**
